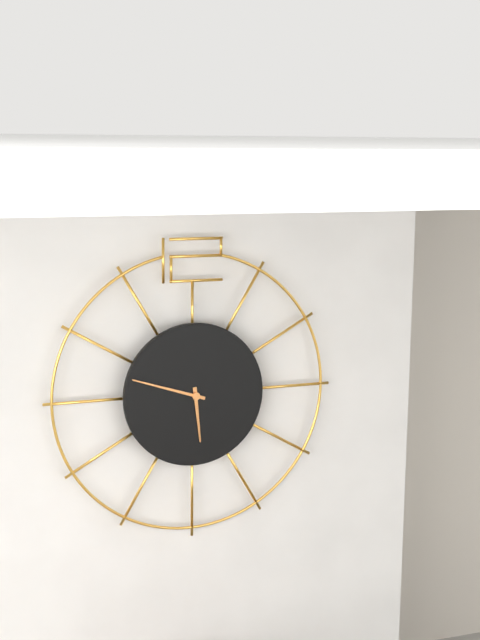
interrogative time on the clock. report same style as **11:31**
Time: **5:48**
